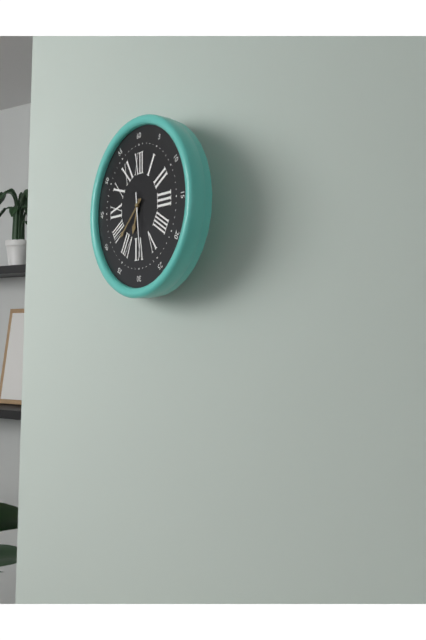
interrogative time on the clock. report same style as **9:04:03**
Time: **6:38:29**
